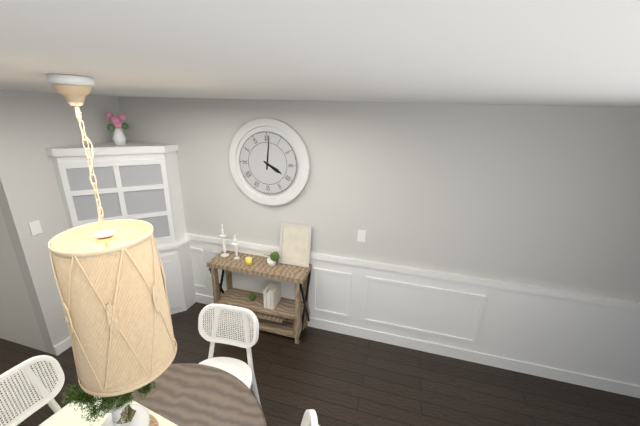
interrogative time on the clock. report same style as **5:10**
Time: **4:01**
